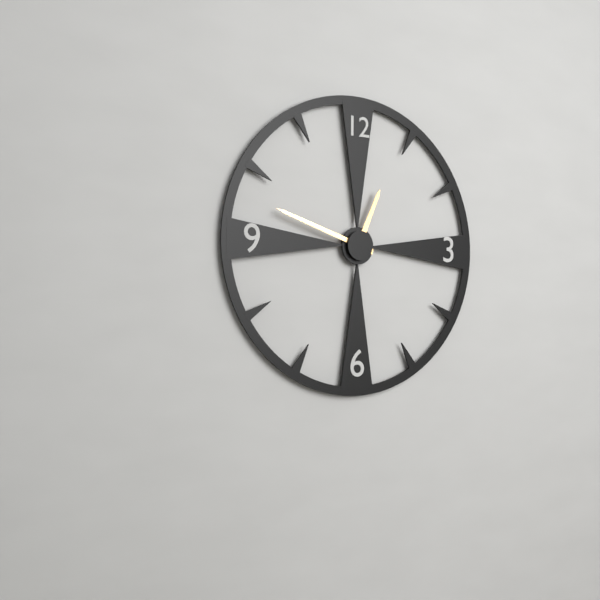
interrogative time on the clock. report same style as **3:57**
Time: **12:48**
